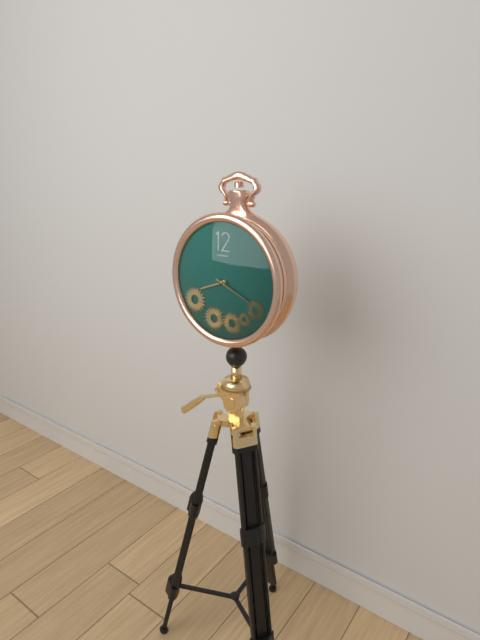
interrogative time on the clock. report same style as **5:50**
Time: **8:19**
